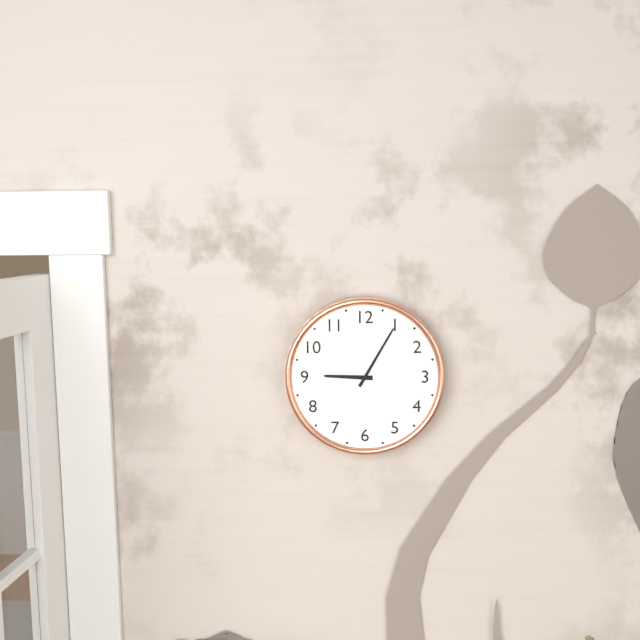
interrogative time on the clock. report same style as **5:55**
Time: **9:05**
